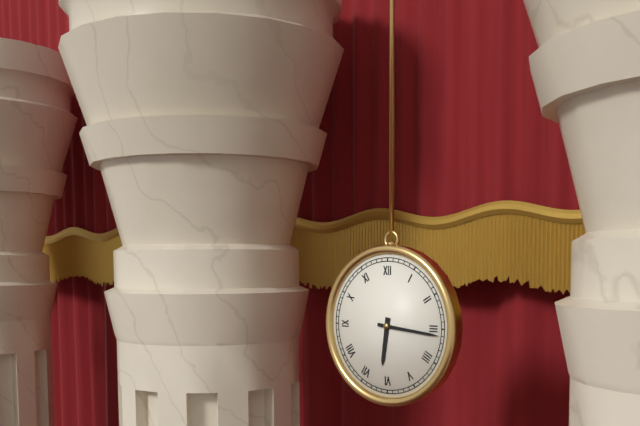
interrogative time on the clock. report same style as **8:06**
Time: **6:16**
